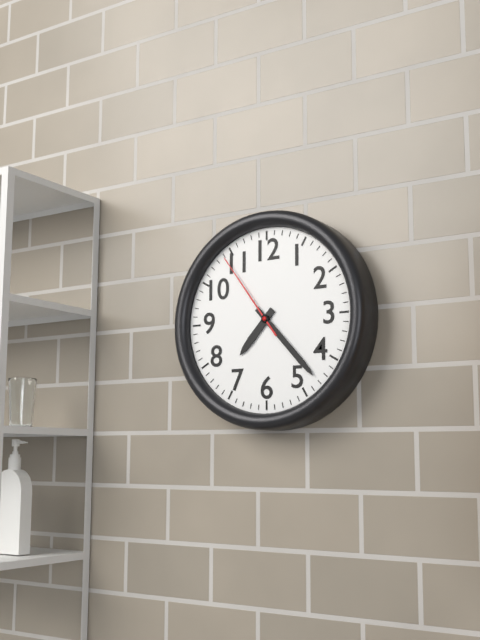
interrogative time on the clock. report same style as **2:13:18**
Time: **7:23:54**
